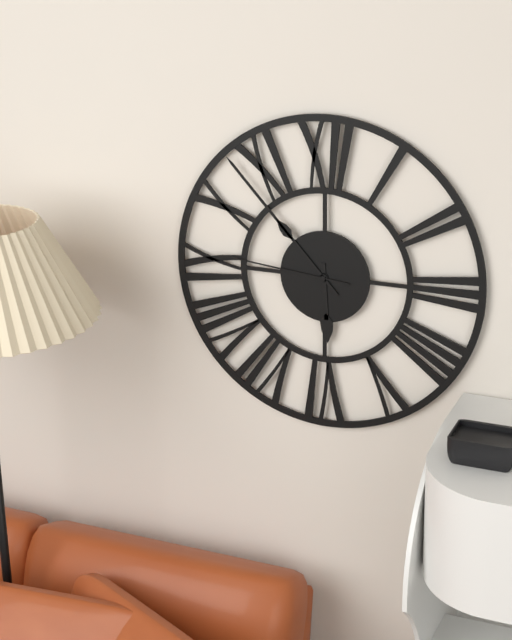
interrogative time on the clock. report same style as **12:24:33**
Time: **5:53:46**
